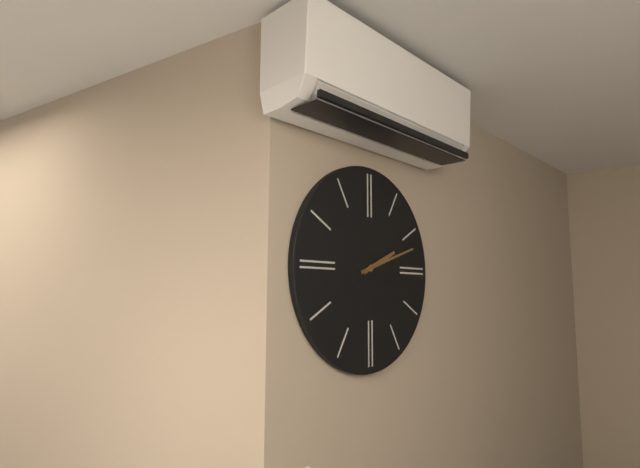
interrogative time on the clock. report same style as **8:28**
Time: **2:12**
